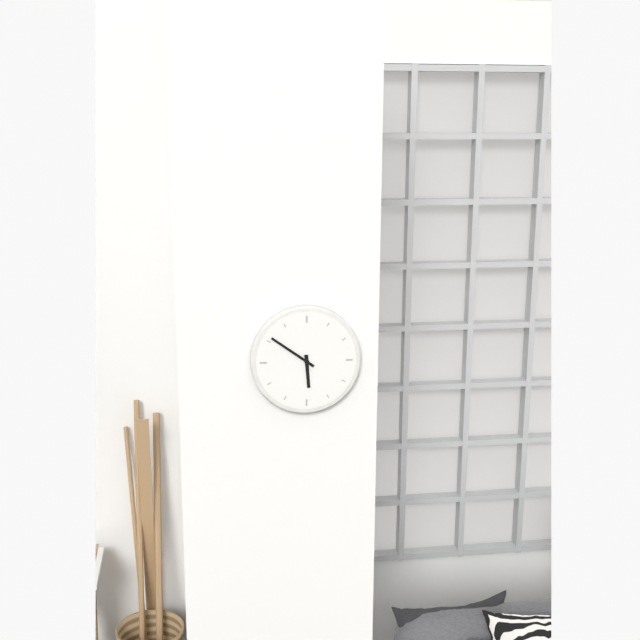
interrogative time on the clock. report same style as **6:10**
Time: **5:51**
